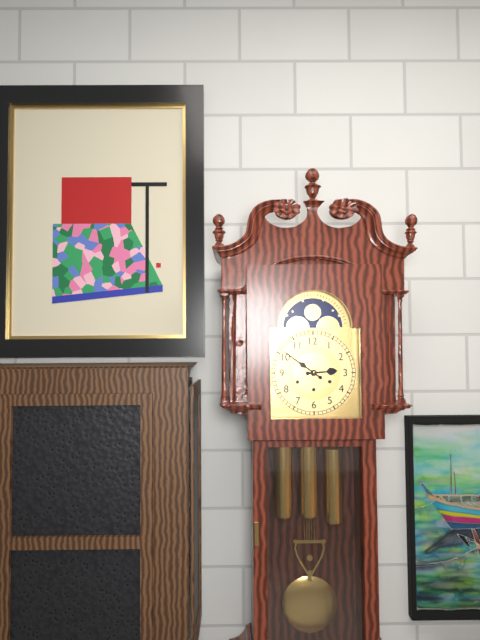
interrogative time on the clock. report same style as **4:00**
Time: **2:51**
